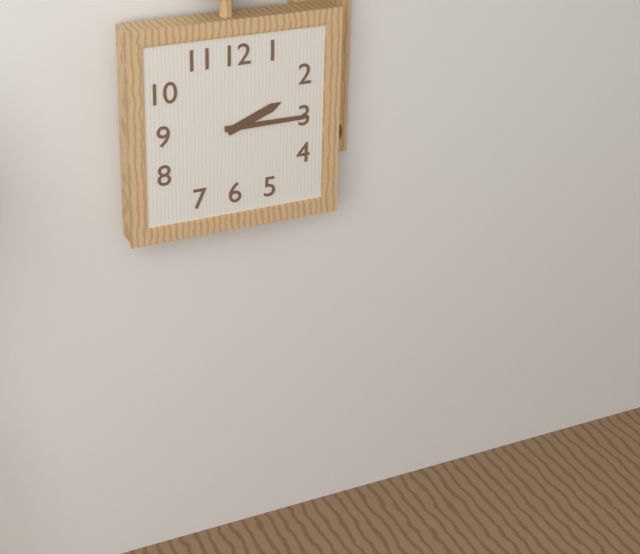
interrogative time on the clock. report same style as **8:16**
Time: **2:15**
